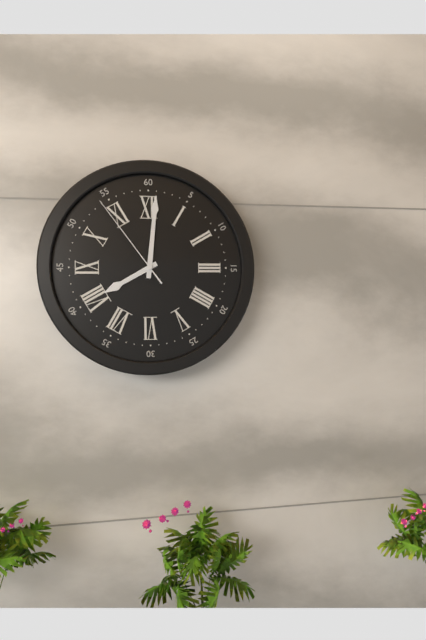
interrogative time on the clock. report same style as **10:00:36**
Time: **8:01:54**
